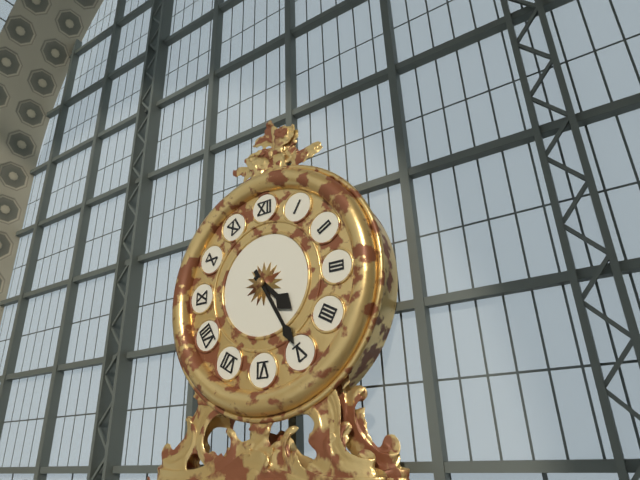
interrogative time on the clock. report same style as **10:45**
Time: **4:25**
